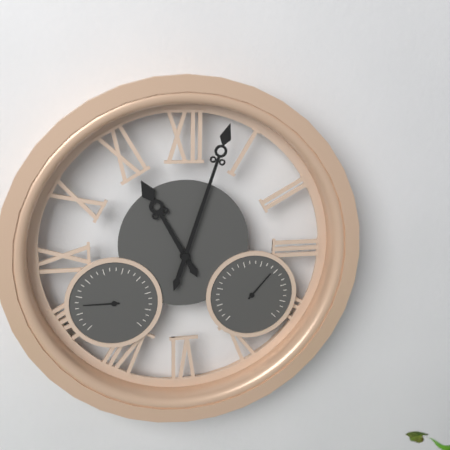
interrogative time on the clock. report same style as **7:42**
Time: **11:03**
